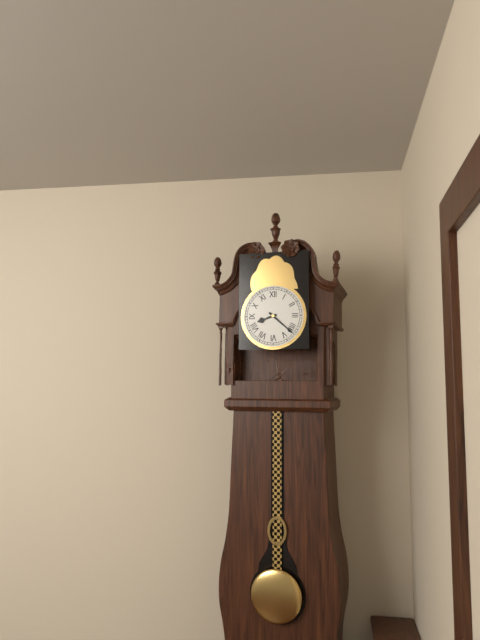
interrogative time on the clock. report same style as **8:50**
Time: **8:22**
